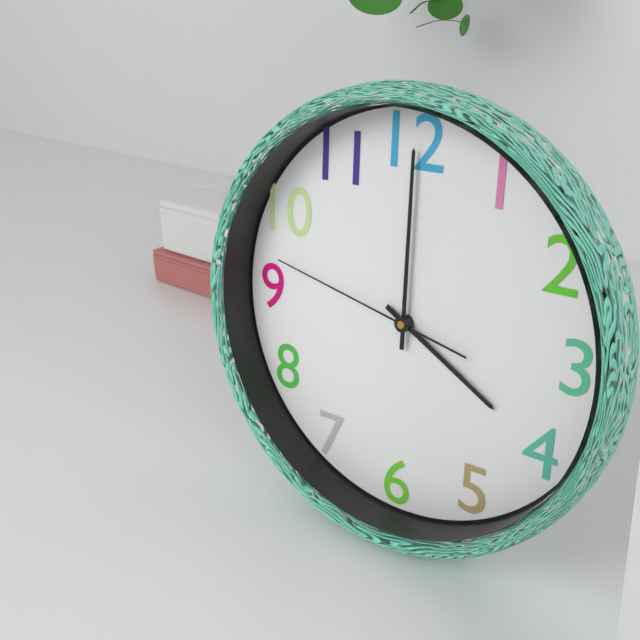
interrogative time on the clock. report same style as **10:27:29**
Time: **4:00:47**
